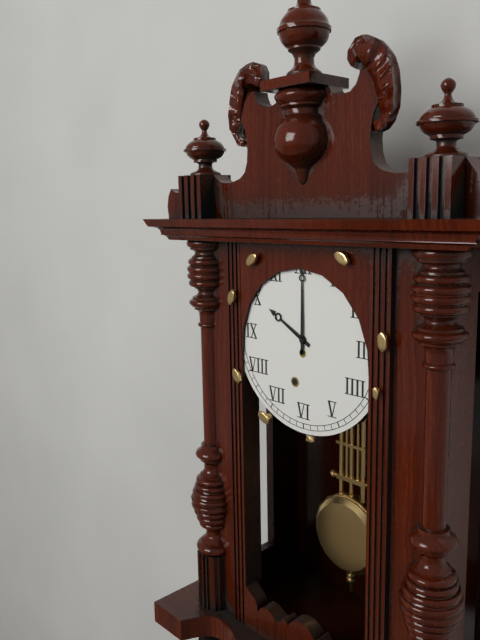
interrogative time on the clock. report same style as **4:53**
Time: **10:00**
